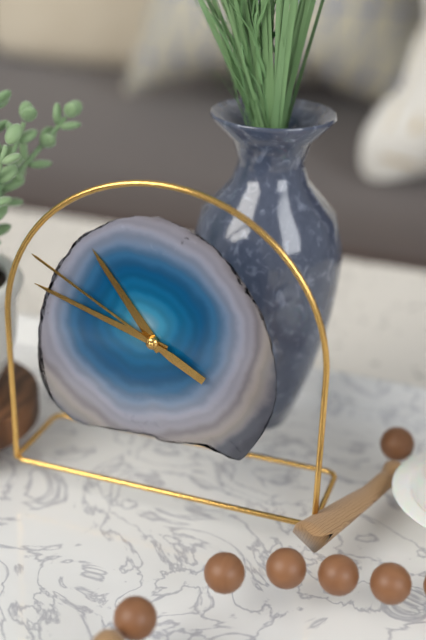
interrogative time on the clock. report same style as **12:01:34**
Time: **10:48:50**
